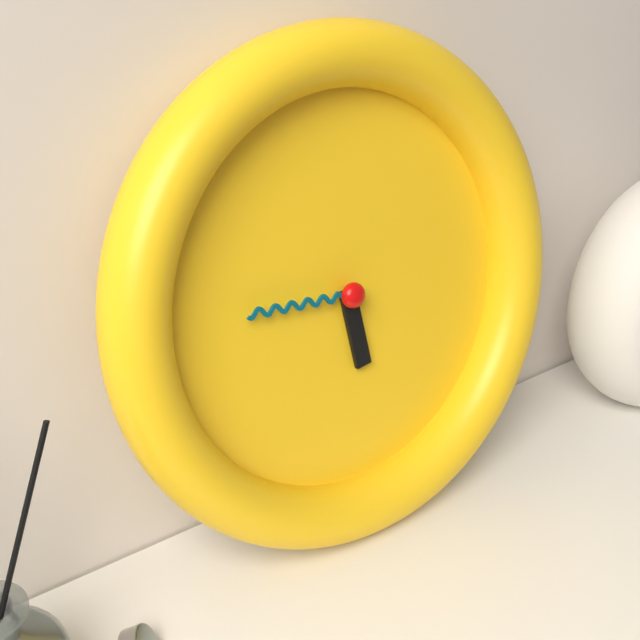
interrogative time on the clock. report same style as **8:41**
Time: **5:46**
